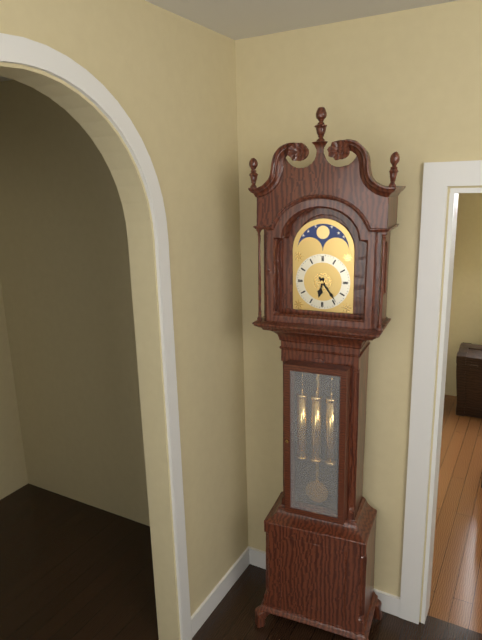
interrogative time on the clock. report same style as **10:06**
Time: **6:24**
